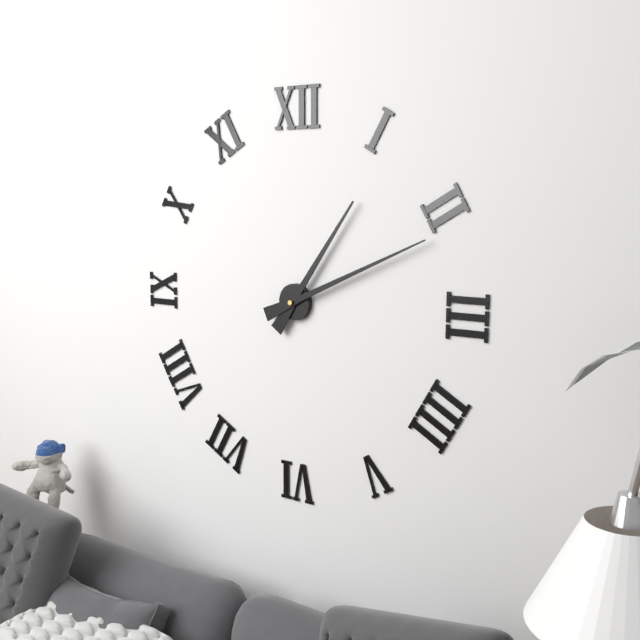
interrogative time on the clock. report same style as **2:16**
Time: **1:11**
